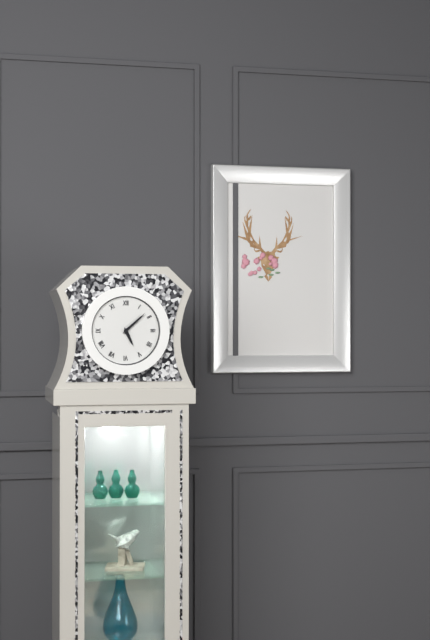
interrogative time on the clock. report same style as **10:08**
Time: **5:08**
